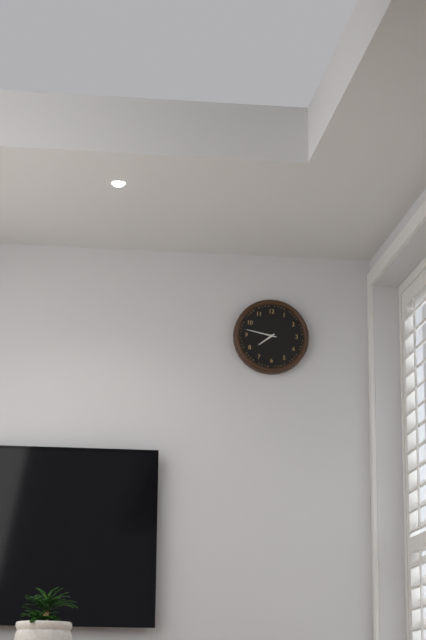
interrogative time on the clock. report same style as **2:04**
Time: **7:47**
